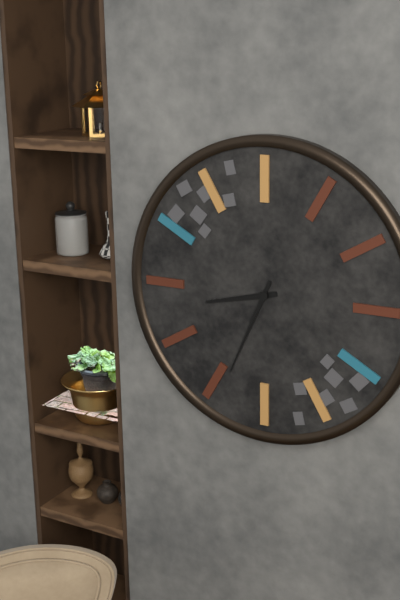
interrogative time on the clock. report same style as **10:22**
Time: **8:34**
